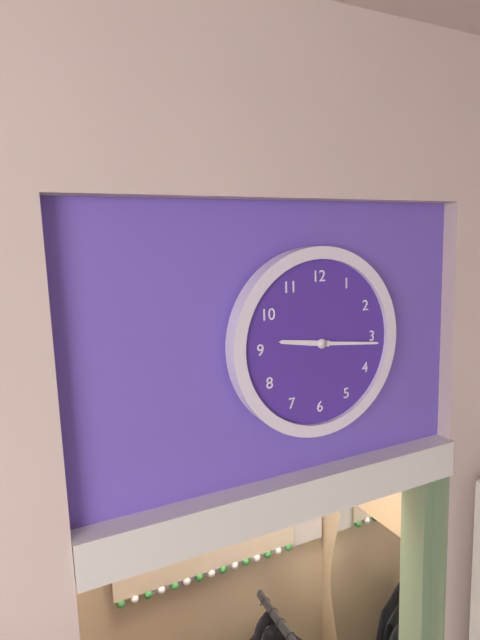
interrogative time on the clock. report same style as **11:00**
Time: **9:16**
